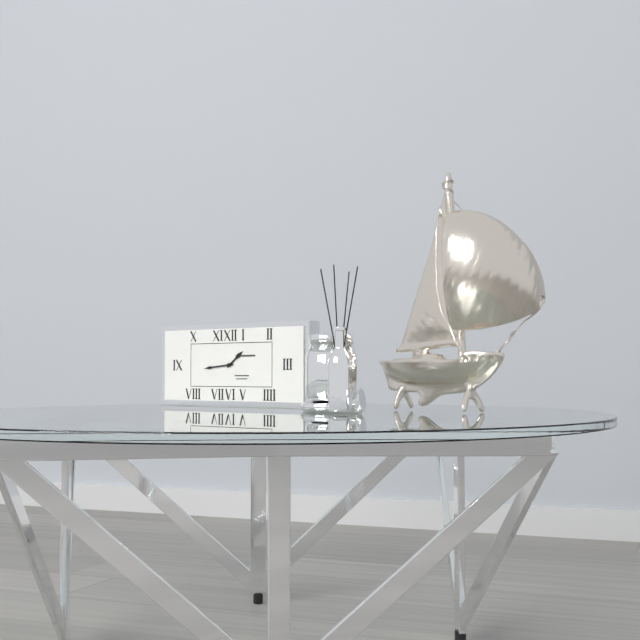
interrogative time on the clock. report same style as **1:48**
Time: **1:44**
